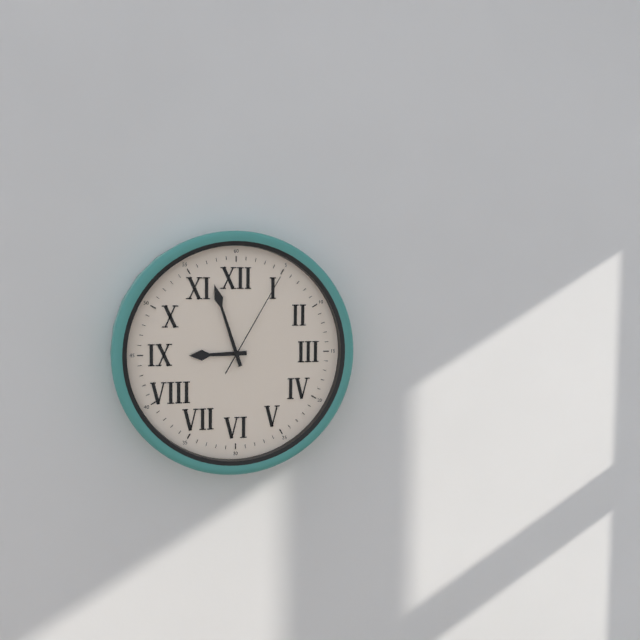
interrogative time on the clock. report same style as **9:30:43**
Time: **8:57:05**
